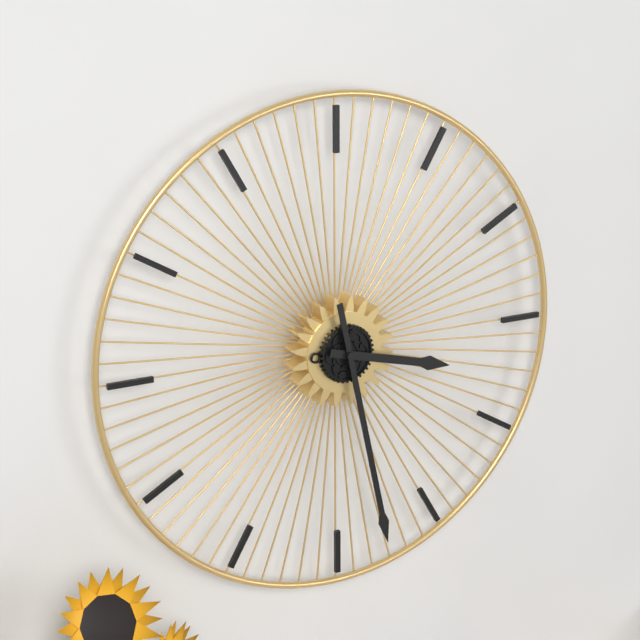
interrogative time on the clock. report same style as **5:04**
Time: **3:28**
